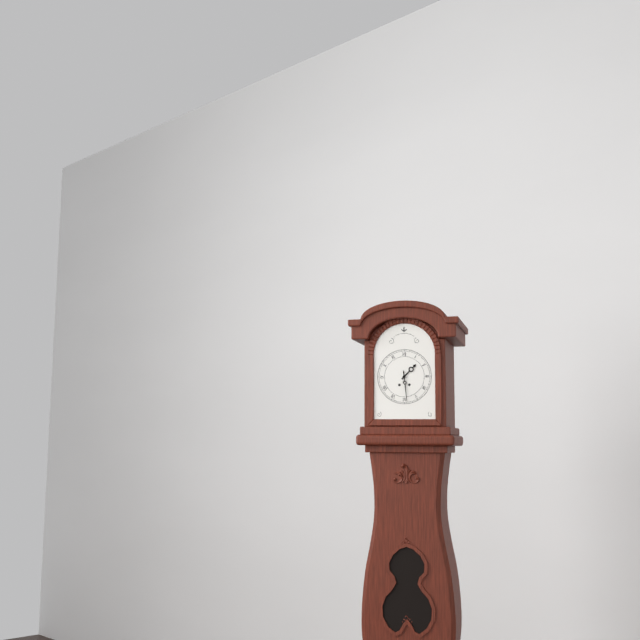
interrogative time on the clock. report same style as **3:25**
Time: **1:29**
